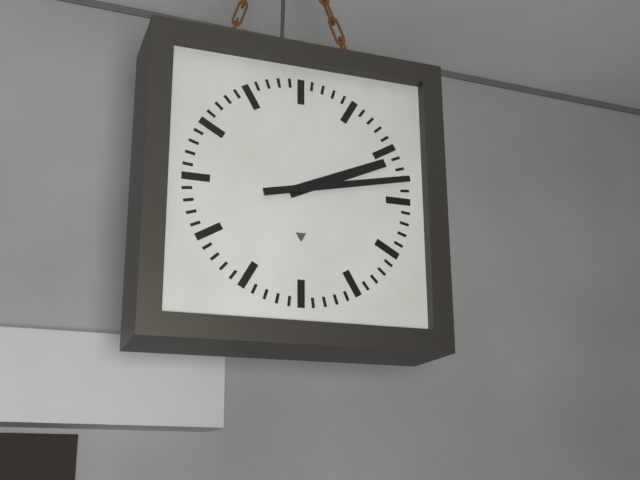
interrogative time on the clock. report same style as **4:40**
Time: **2:13**
